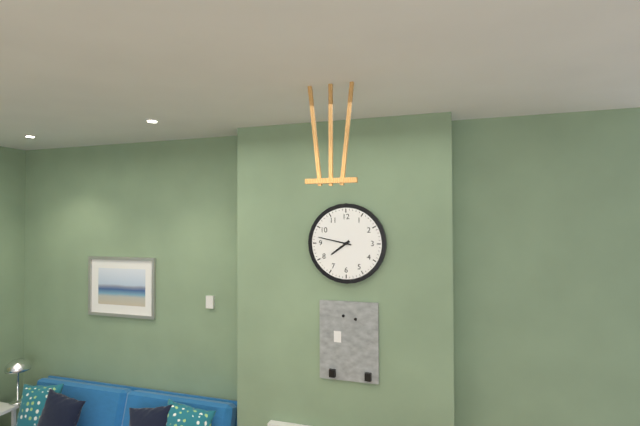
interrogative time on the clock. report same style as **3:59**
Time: **7:47**
